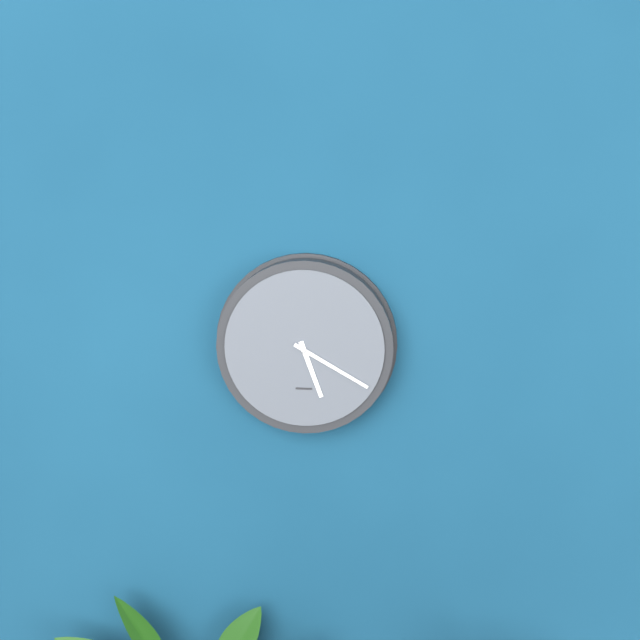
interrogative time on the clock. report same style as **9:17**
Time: **5:20**
